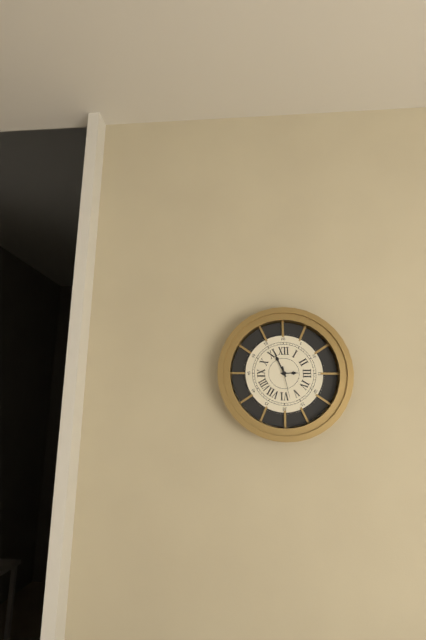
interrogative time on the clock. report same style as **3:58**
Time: **2:56**
